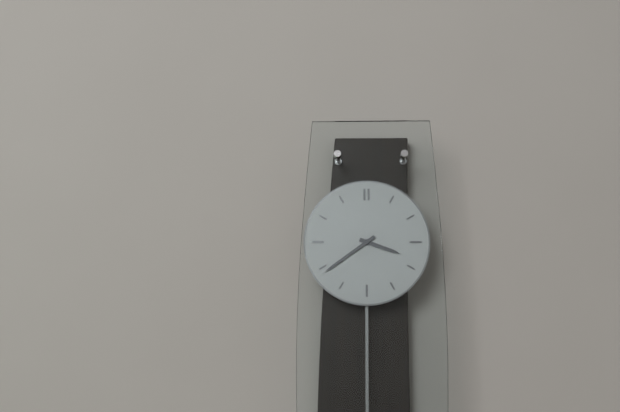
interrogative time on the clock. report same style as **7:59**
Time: **3:39**
